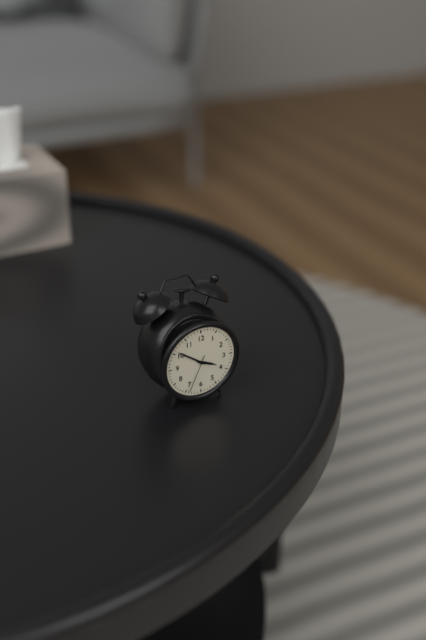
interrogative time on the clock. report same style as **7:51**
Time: **3:51**
